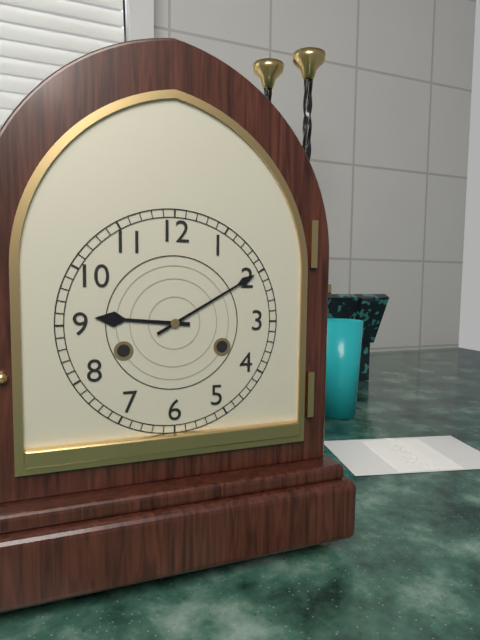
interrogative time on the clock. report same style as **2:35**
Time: **9:10**
